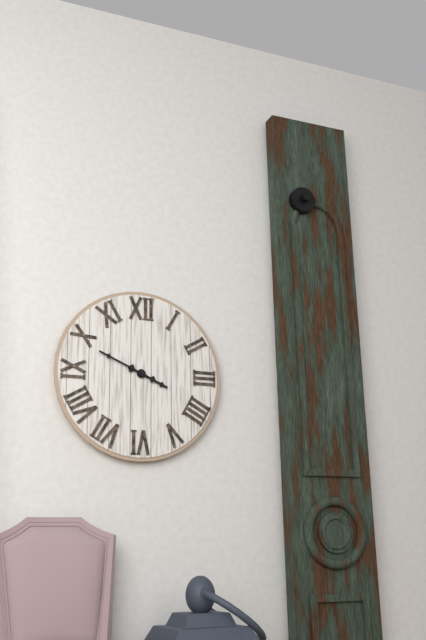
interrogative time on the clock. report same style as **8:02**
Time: **3:49**
